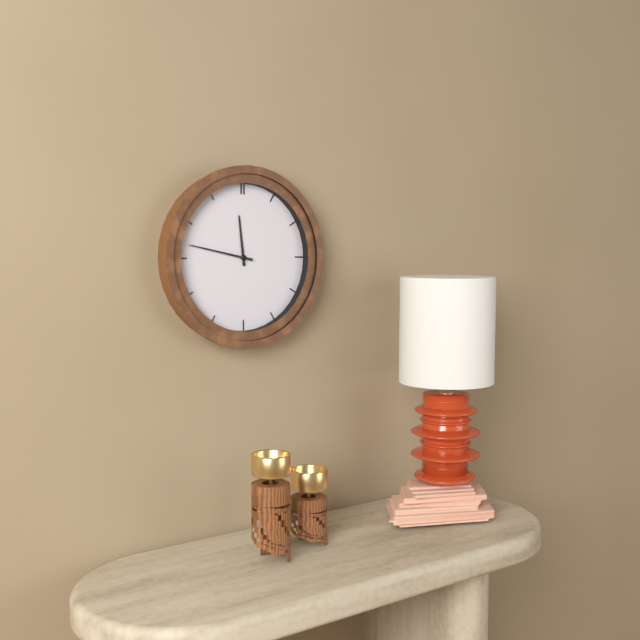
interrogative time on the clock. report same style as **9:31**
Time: **11:47**
